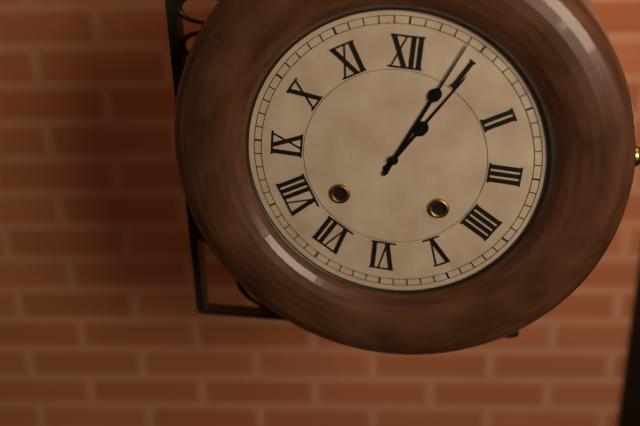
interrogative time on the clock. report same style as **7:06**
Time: **1:04**
